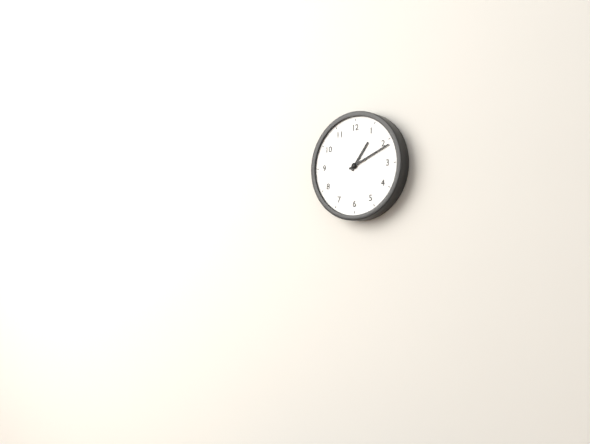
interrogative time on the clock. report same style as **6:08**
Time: **1:11**
